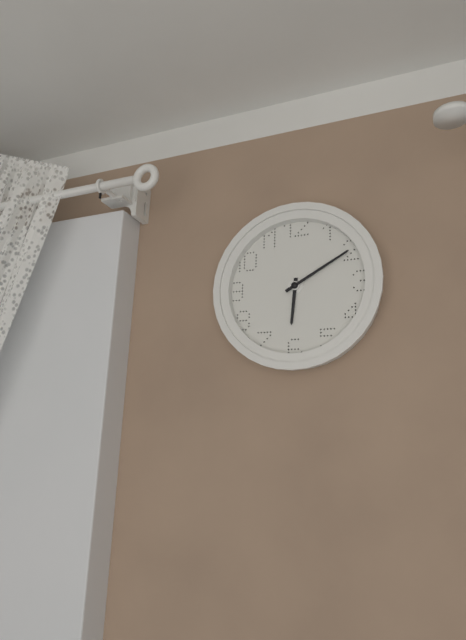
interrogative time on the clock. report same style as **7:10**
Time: **6:10**
